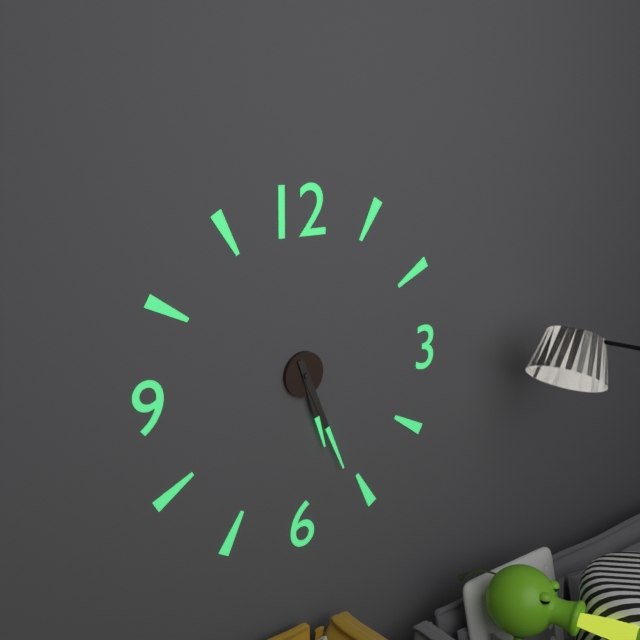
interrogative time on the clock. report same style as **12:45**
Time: **5:26**
